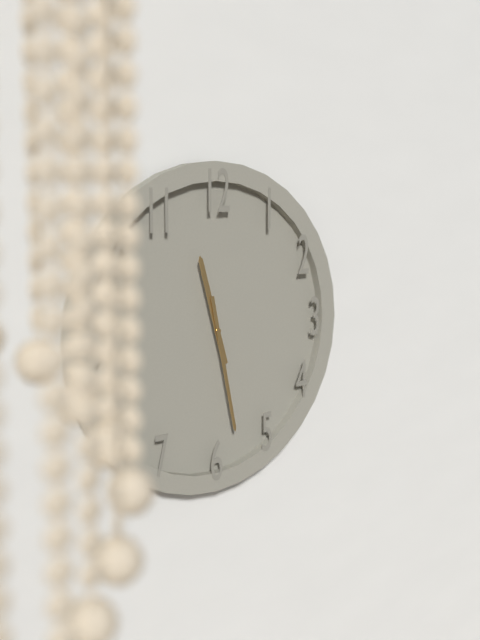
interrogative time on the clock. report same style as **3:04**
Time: **11:28**
